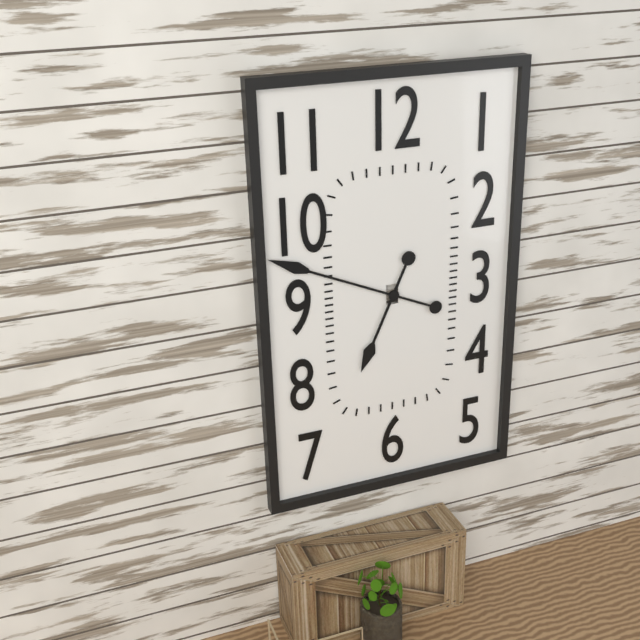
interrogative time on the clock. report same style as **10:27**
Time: **6:49**
